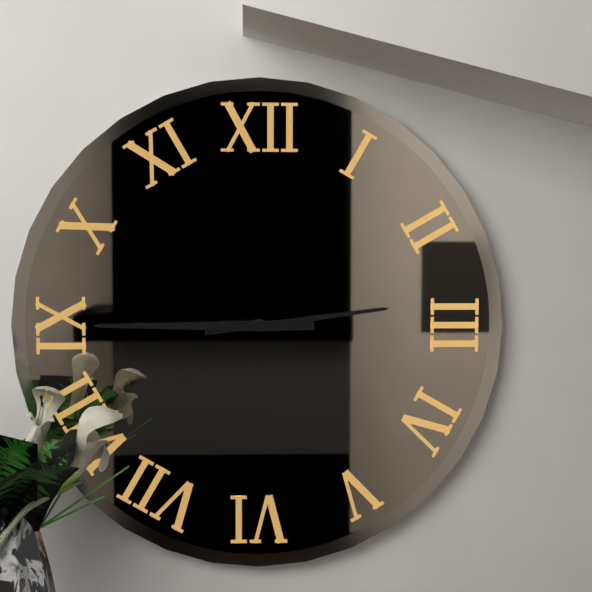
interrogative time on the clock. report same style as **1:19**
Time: **2:45**
